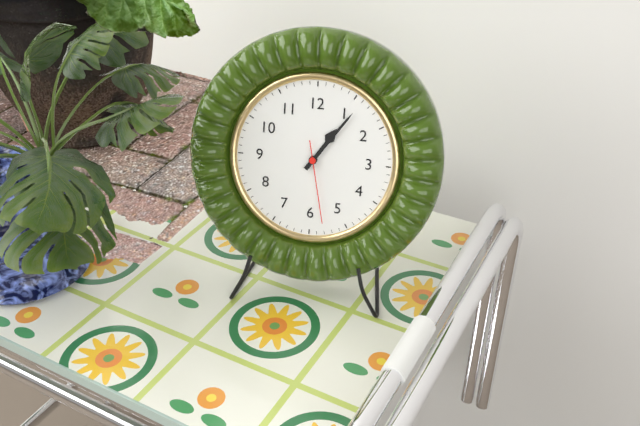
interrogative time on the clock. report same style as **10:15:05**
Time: **1:06:28**
